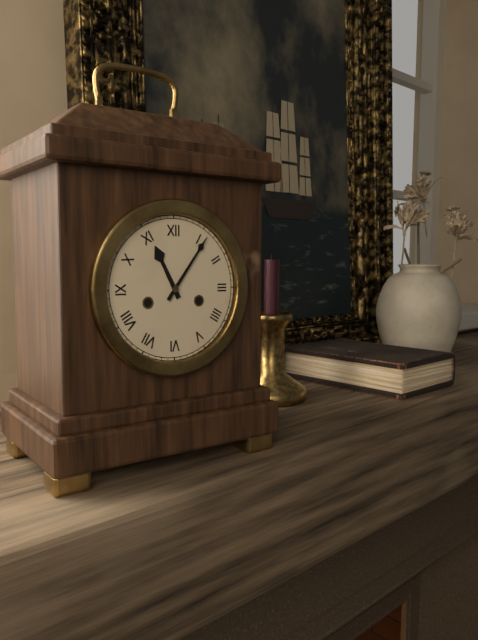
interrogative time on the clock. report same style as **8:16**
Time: **11:06**
